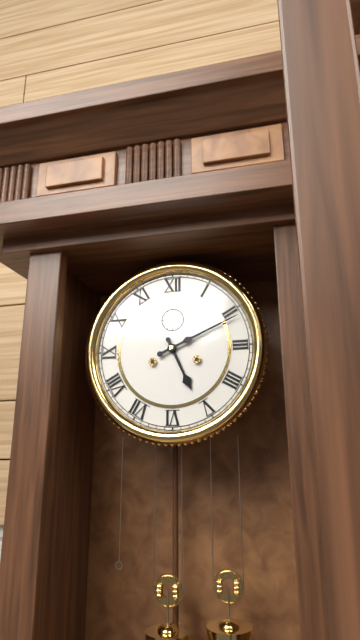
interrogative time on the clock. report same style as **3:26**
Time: **5:11**
